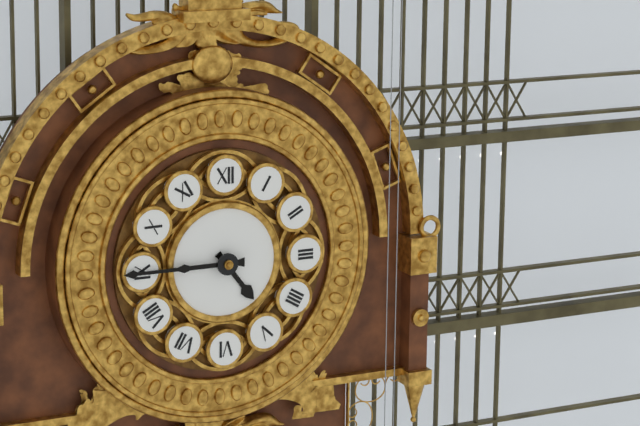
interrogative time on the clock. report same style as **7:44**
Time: **4:45**
